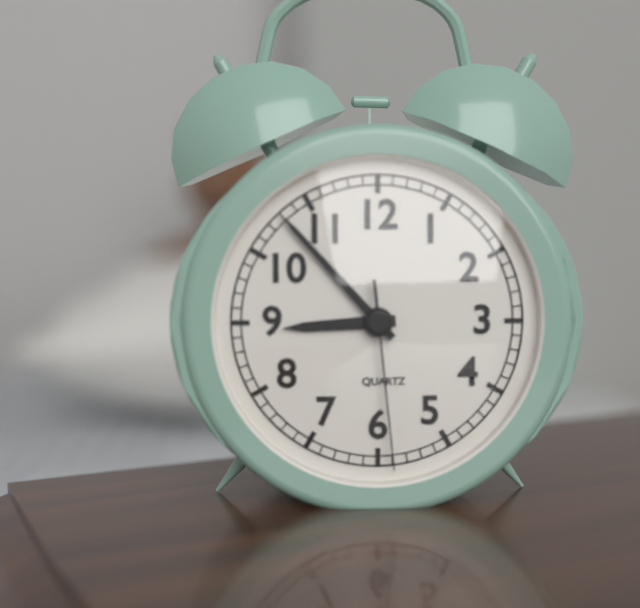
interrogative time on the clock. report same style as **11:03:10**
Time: **8:53:29**
